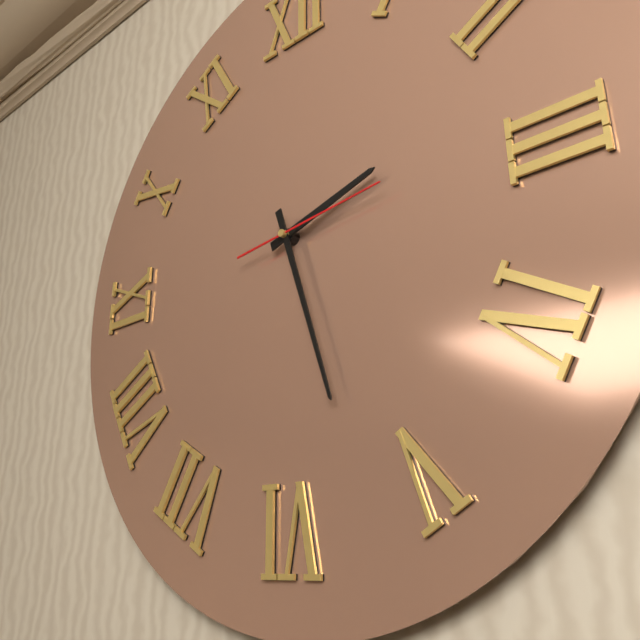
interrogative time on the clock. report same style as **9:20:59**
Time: **2:27:14**
